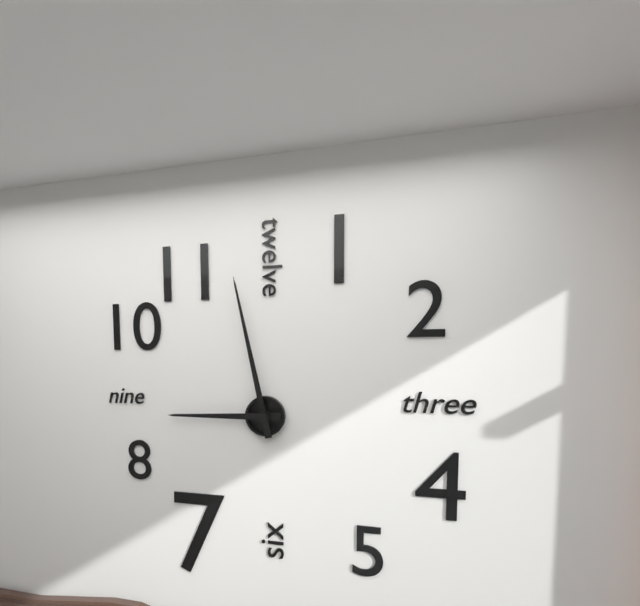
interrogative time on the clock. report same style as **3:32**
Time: **8:58**
